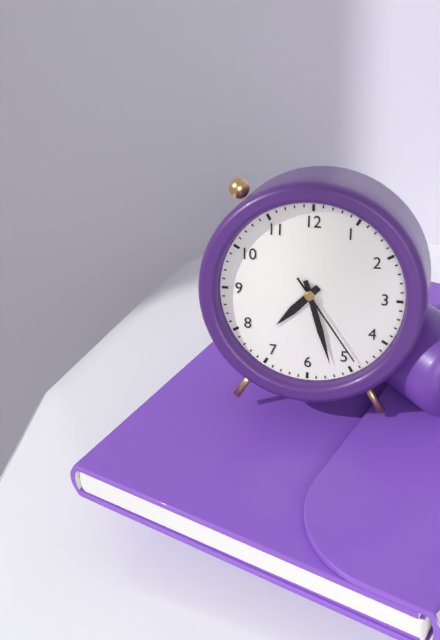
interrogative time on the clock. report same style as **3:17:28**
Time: **7:27:24**
